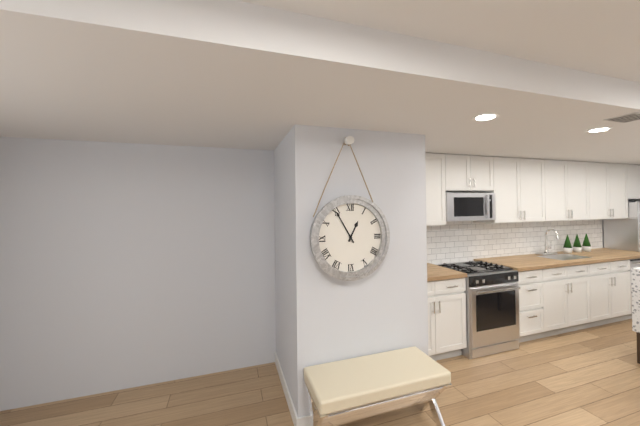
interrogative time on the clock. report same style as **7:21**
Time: **12:55**
